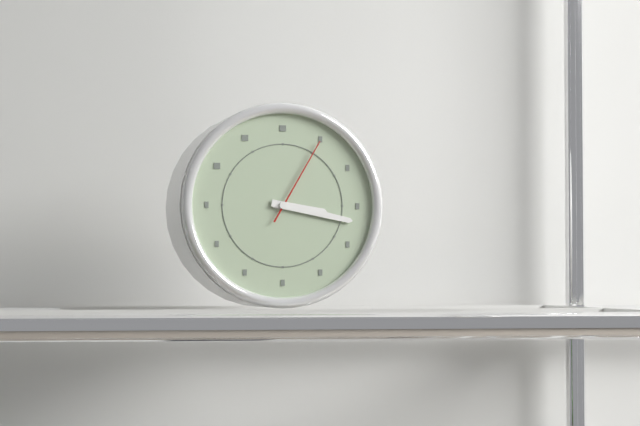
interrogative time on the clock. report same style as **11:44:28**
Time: **3:17:05**
